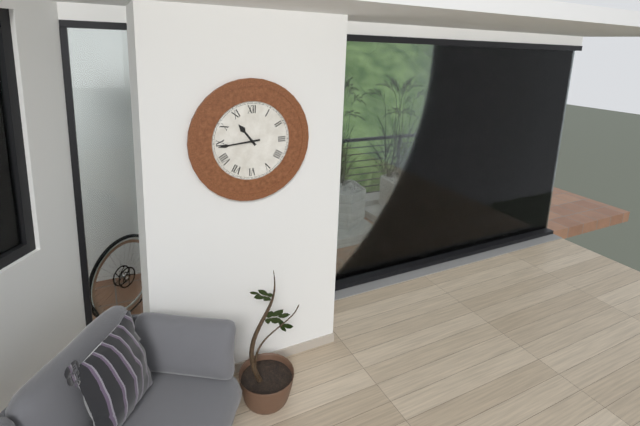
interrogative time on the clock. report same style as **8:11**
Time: **10:44**
